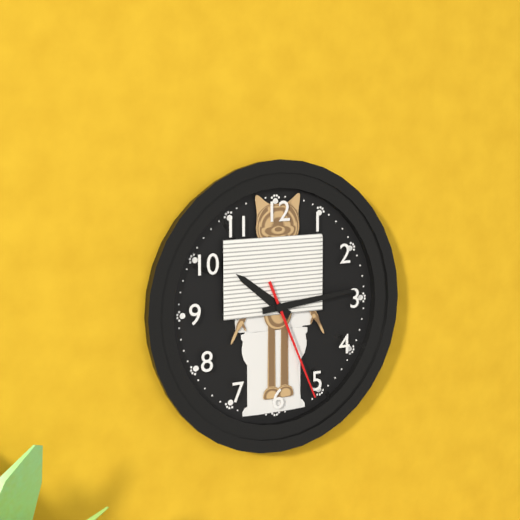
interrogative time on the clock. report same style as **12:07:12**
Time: **10:14:26**
